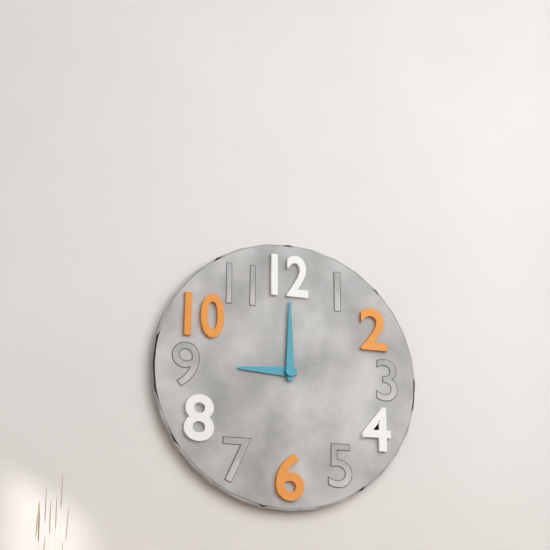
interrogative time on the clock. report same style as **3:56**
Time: **9:00**
